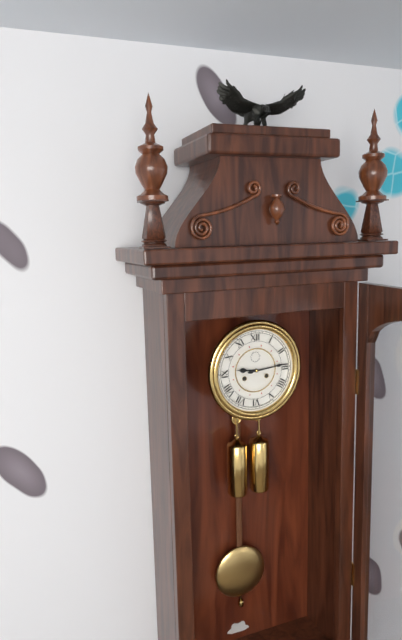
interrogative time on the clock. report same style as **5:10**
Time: **9:14**
